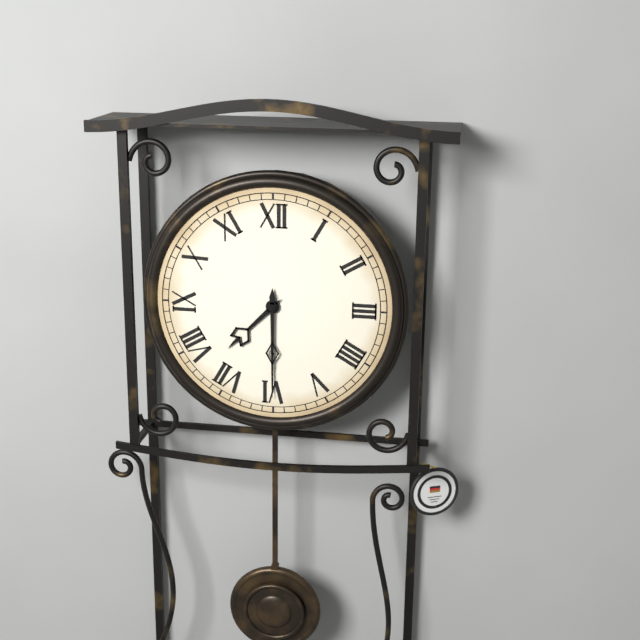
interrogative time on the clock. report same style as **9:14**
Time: **7:30**
